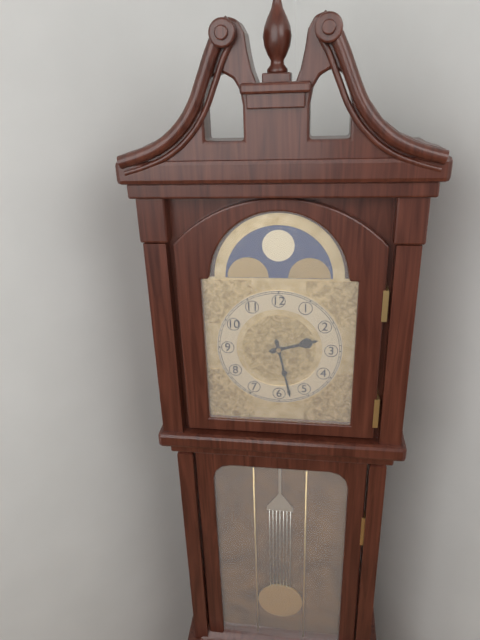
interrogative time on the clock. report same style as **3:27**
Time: **2:28**
